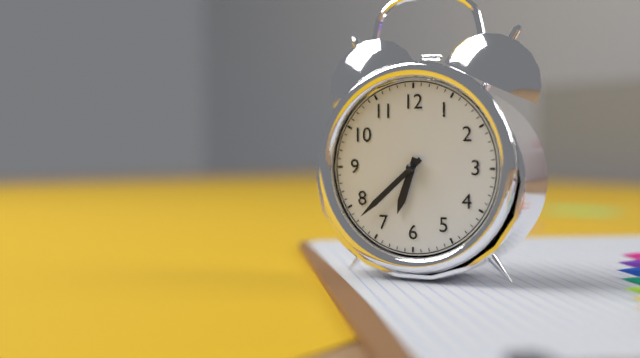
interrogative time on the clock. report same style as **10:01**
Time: **6:38**
